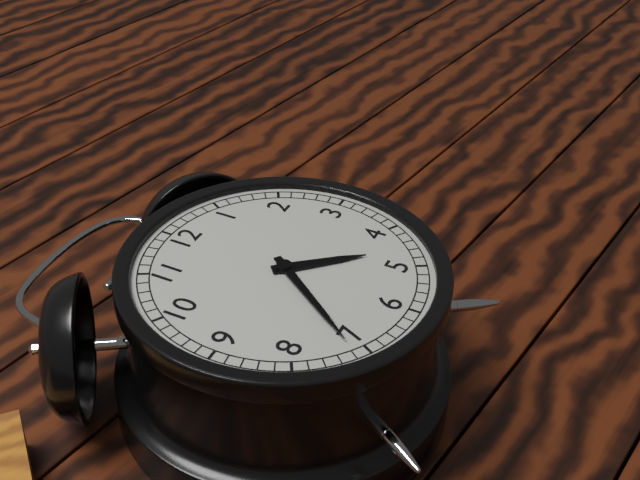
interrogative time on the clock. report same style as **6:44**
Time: **4:36**
